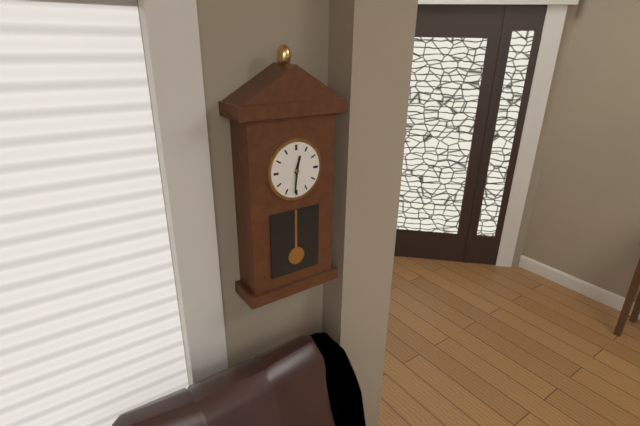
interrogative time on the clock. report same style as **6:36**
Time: **12:31**
